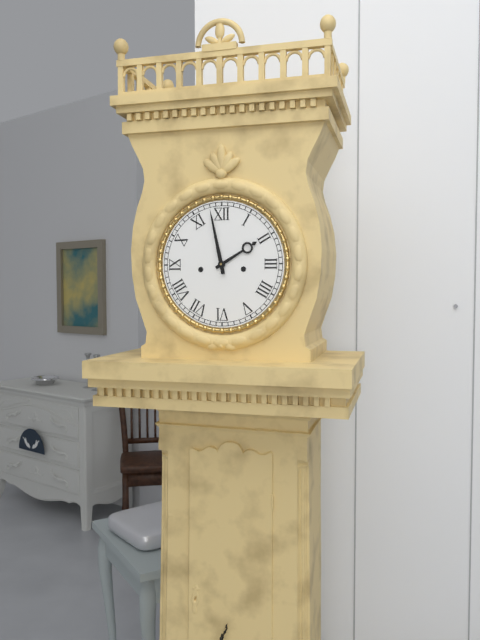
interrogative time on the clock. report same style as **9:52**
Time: **1:58**
